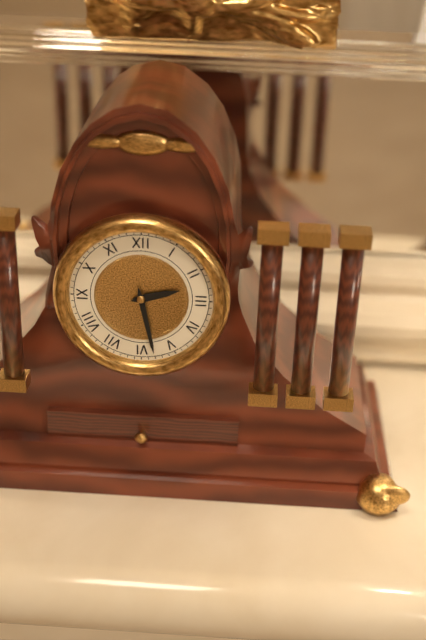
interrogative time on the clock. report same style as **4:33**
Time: **2:28**
